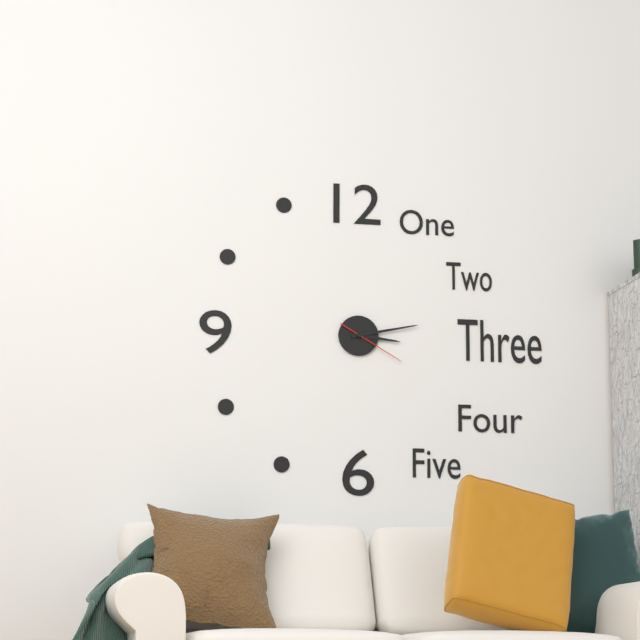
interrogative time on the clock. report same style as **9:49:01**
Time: **3:13:20**
